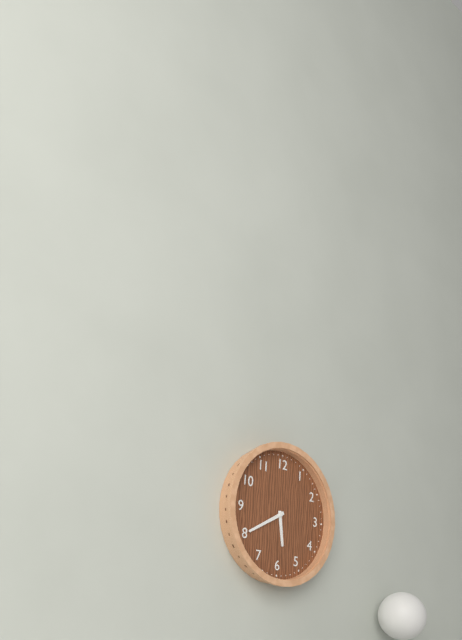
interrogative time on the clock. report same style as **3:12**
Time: **5:40**
